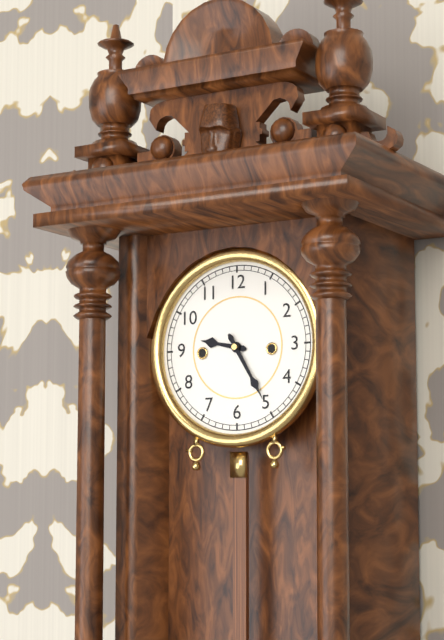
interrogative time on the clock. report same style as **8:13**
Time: **9:25**
